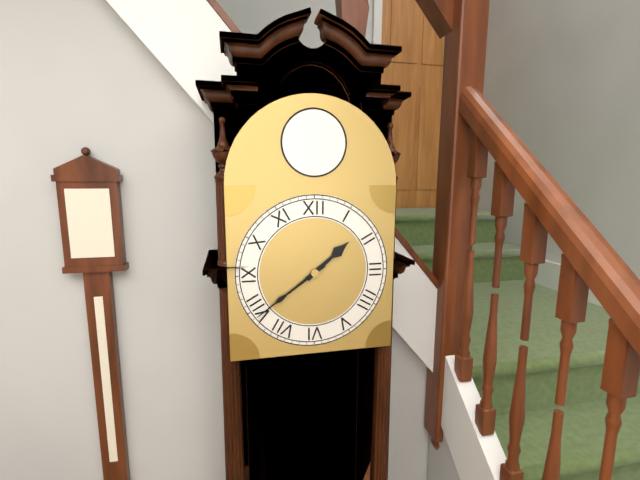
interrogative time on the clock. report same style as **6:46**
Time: **1:39**
